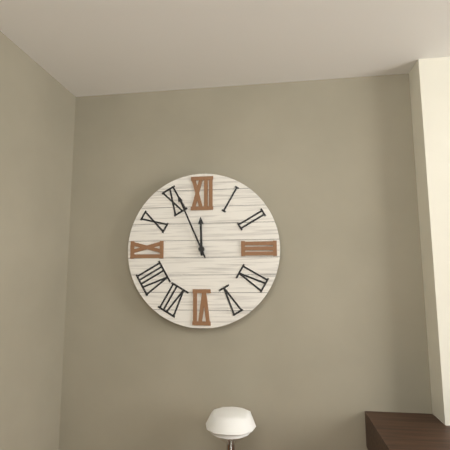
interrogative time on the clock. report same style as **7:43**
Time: **11:56**
